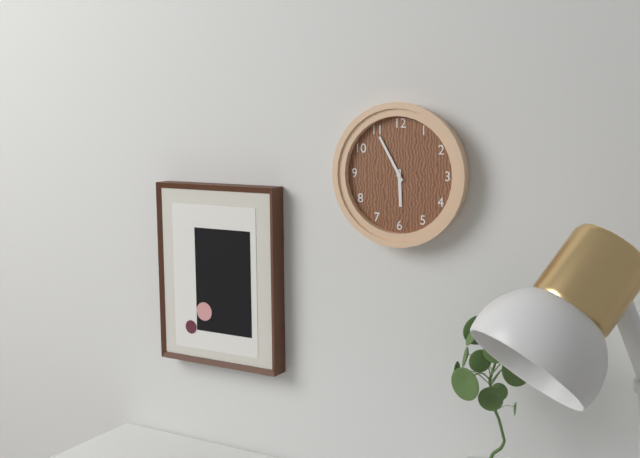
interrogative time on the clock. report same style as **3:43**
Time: **5:55**
